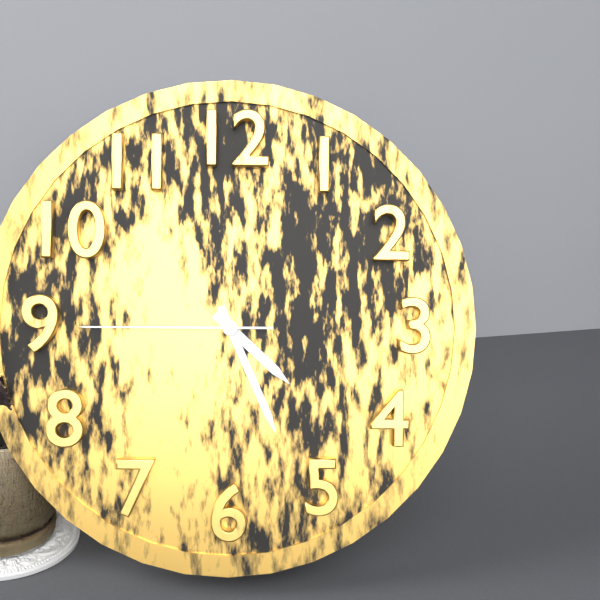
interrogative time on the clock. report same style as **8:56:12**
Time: **4:26:45**
